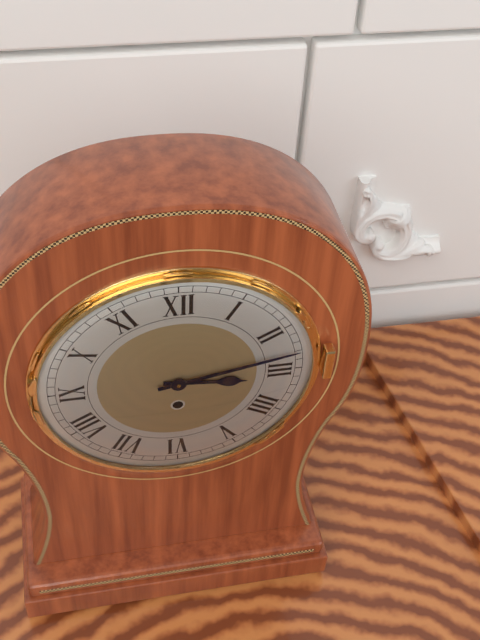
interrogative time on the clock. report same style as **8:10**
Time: **3:13**
